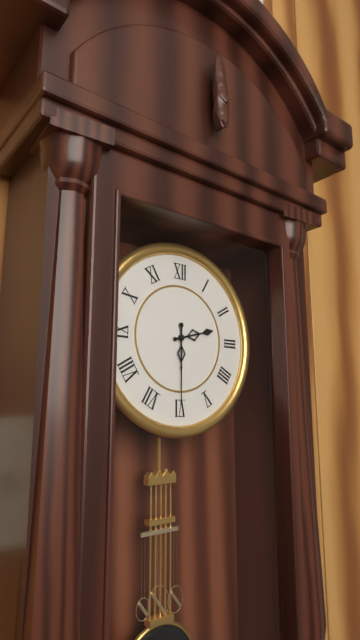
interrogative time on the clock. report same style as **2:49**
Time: **2:30**
